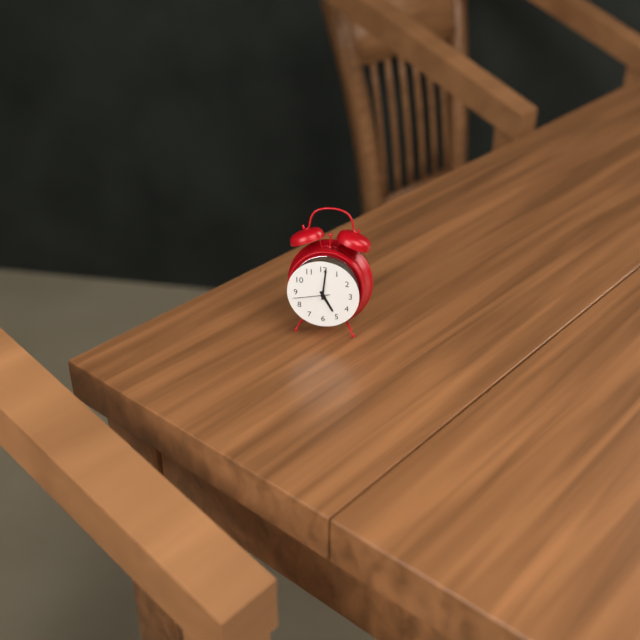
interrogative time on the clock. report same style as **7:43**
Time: **5:01**
